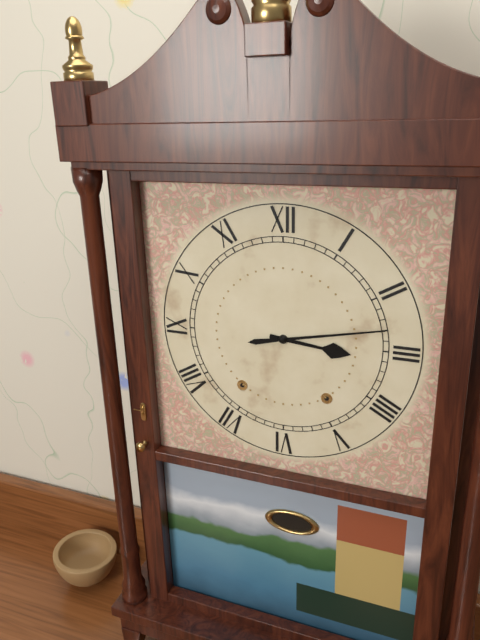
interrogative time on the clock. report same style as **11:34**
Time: **3:13**
